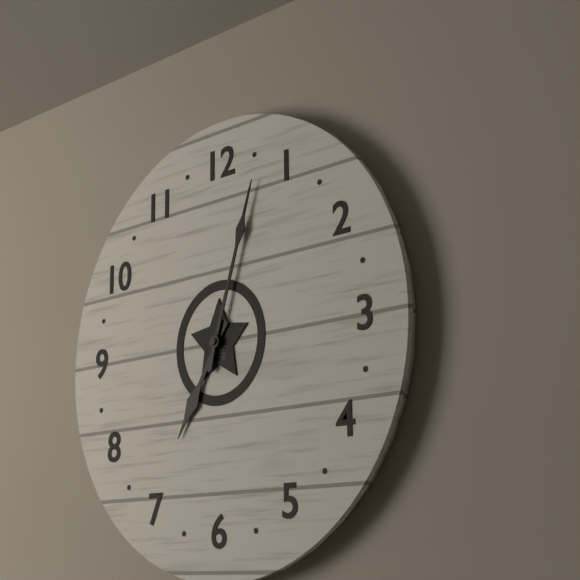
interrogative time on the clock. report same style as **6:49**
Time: **7:03**
